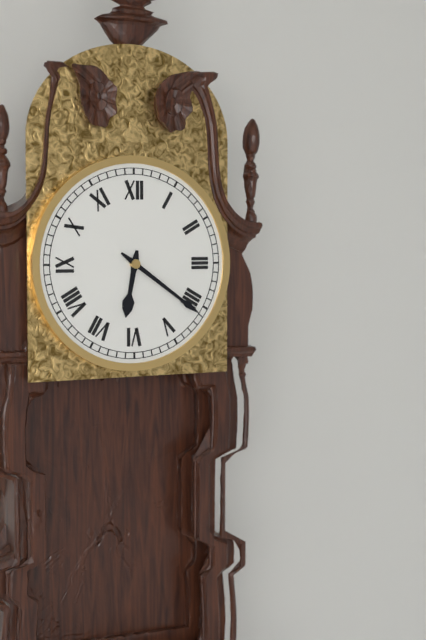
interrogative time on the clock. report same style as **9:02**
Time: **6:21**
